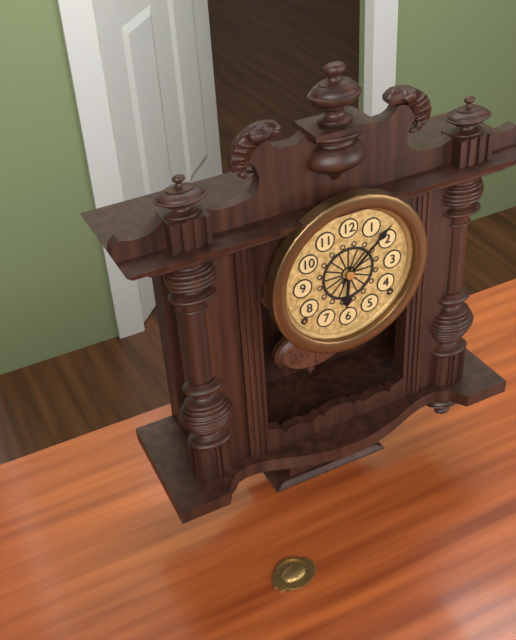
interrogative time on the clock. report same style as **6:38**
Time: **6:08**
